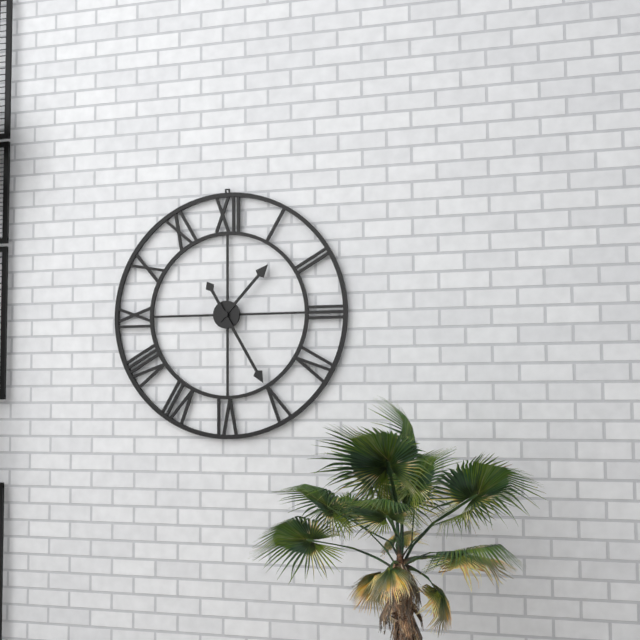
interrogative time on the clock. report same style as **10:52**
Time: **1:25**
